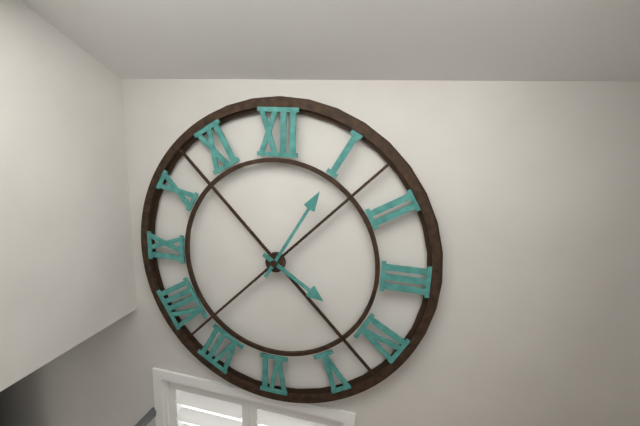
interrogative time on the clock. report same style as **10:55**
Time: **4:05**
